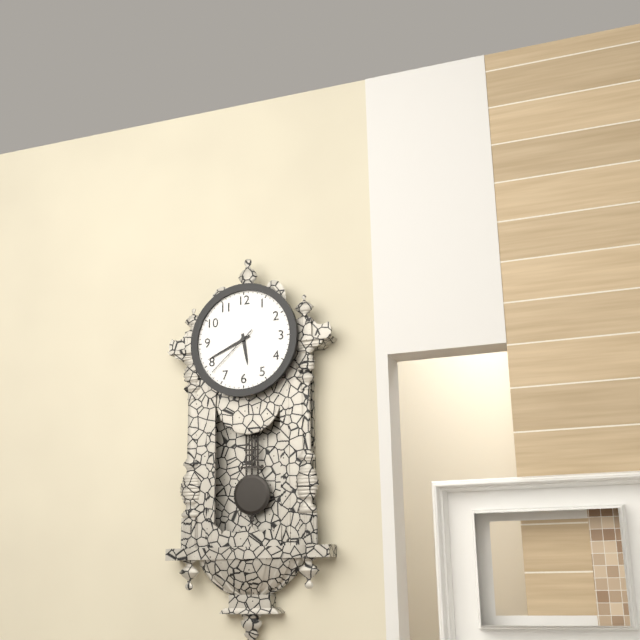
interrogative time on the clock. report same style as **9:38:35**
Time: **5:41:38**
